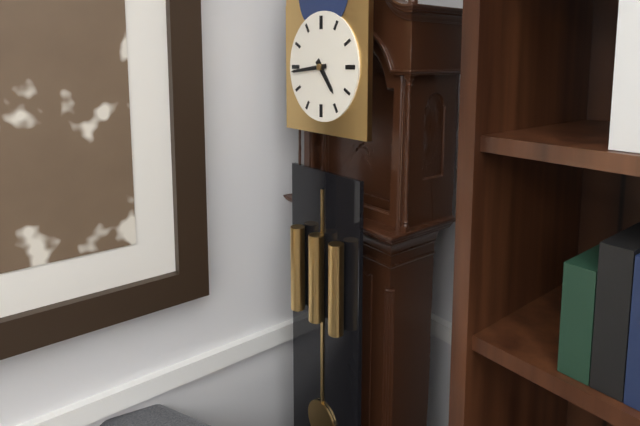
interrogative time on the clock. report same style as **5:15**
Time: **4:44**
